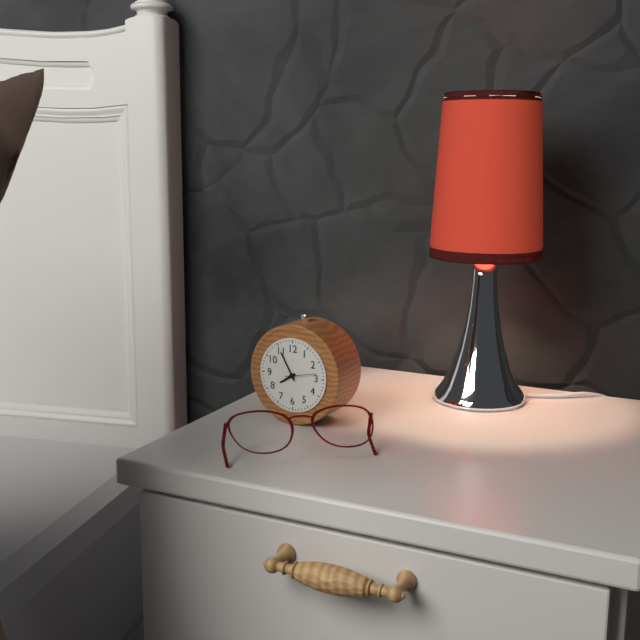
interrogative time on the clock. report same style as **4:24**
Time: **7:55**
